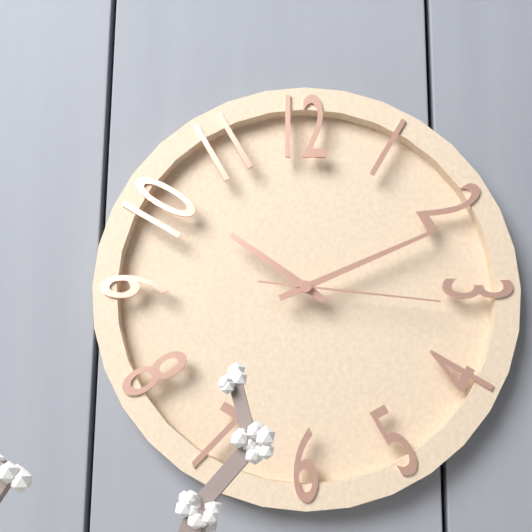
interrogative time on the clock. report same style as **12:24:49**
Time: **10:11:16**
